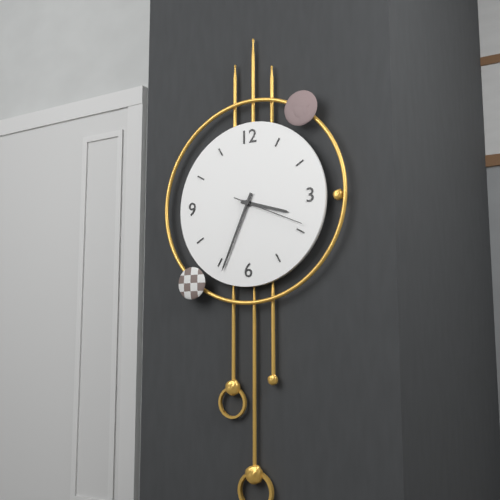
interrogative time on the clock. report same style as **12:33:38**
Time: **3:34:19**
